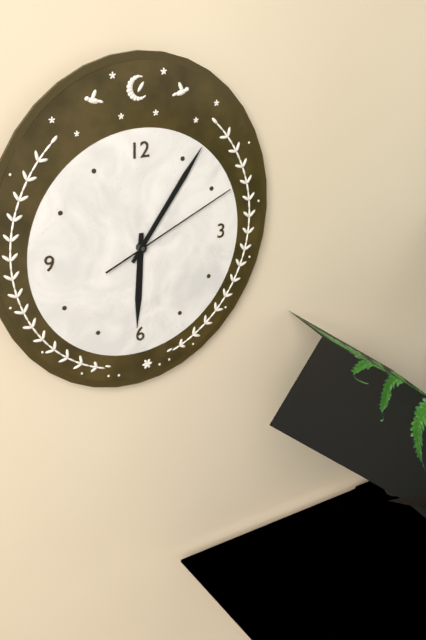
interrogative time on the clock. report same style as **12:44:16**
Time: **6:06:11**
